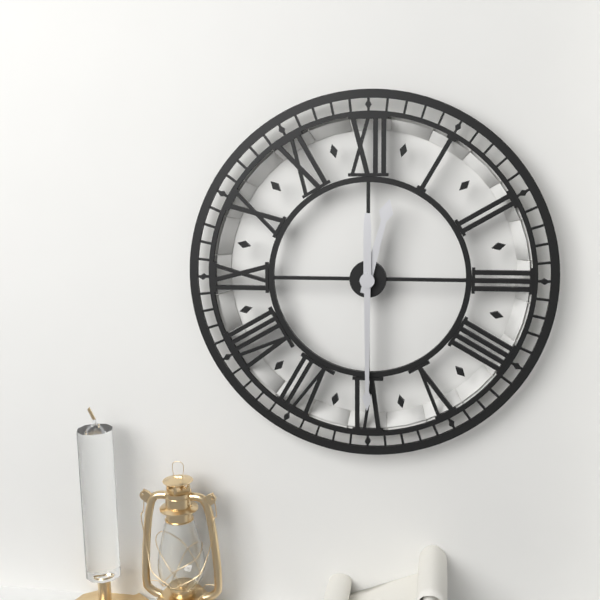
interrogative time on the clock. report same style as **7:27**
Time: **12:30**
